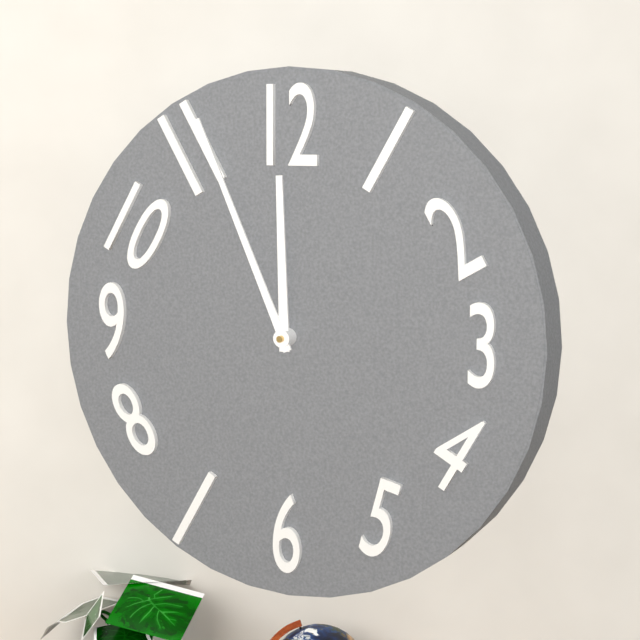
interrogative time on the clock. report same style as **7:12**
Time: **11:56**
